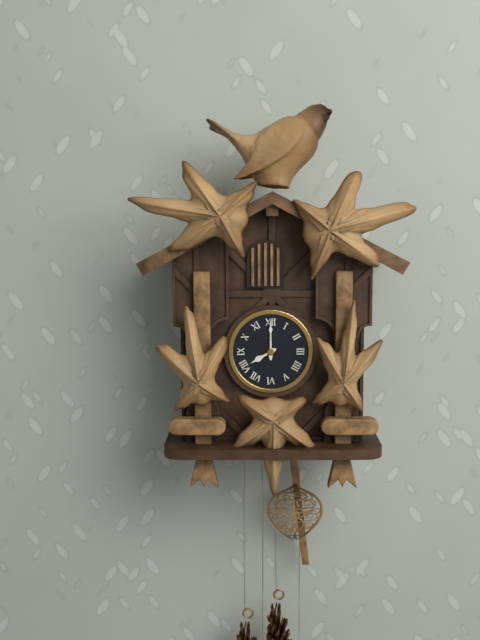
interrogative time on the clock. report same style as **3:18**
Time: **8:00**
